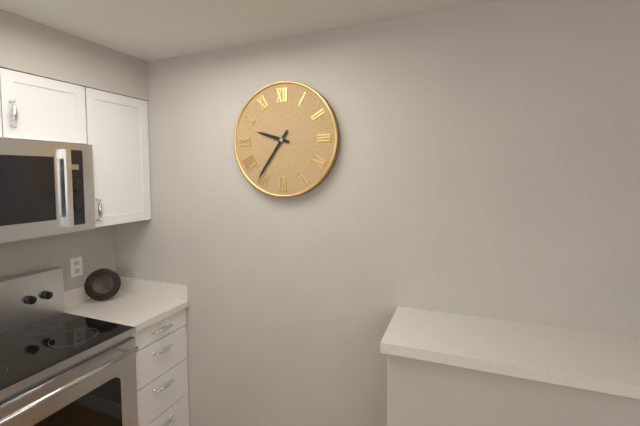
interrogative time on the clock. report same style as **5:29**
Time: **9:36**
